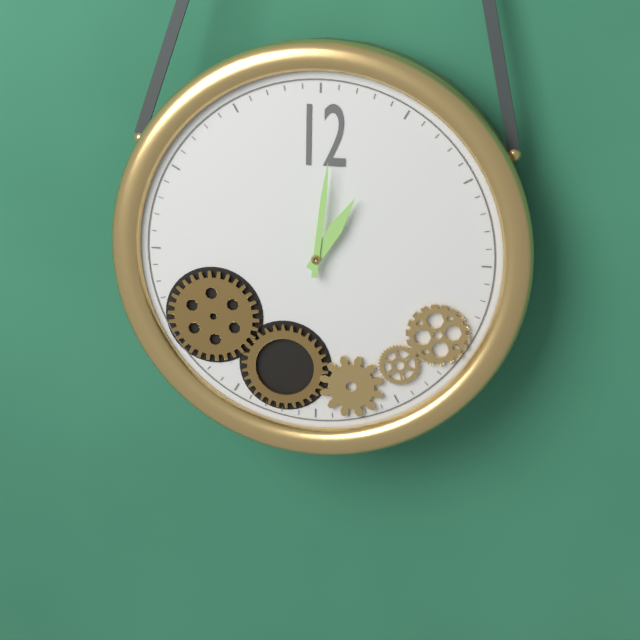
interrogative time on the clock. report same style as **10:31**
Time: **1:01**
